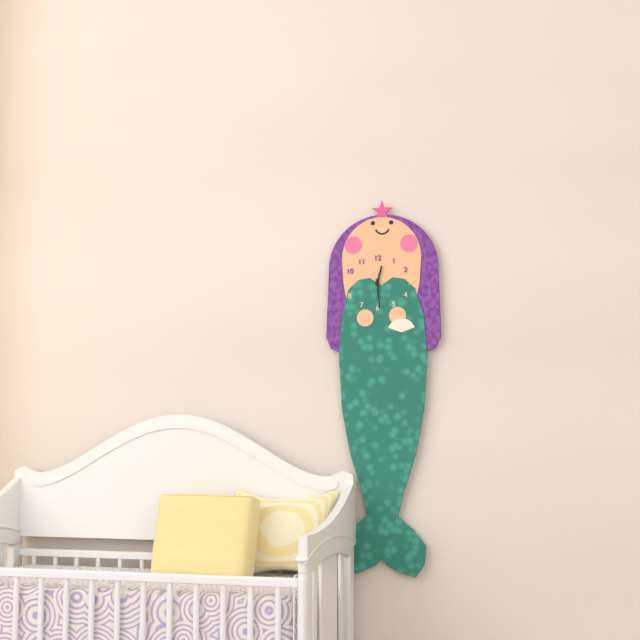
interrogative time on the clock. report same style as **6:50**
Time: **12:29**
